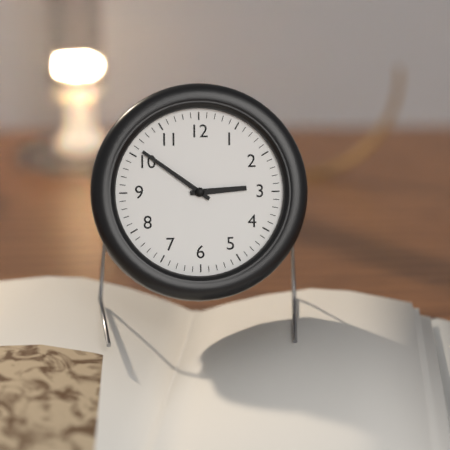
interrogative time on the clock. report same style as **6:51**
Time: **2:51**
